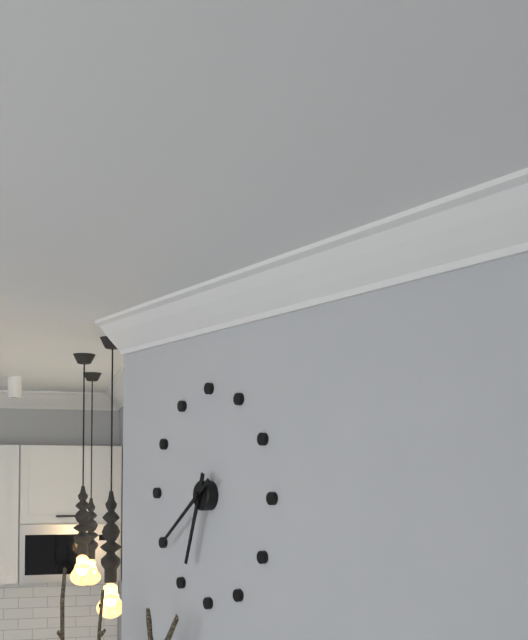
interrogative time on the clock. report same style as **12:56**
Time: **6:39**
